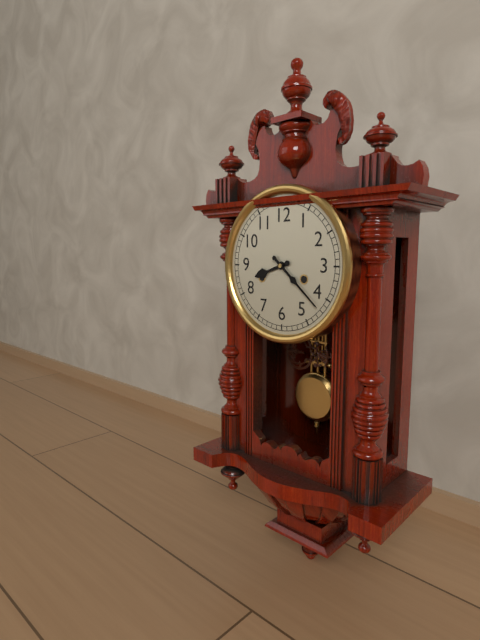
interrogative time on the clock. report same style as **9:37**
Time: **8:22**
